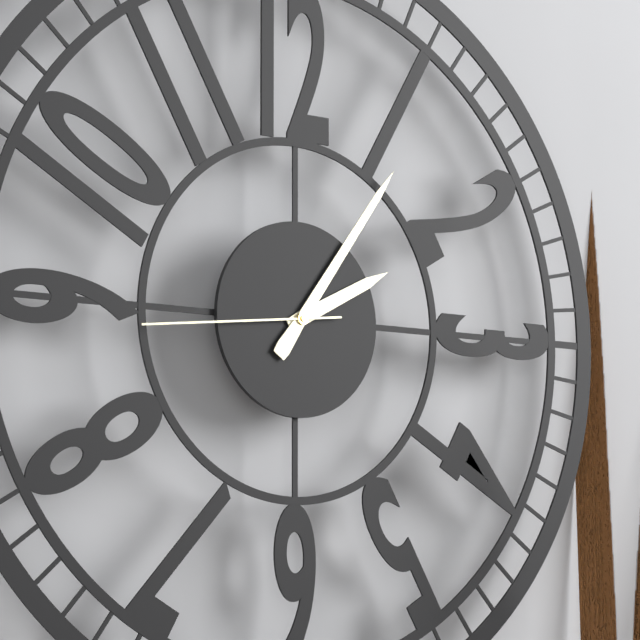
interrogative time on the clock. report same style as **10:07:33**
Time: **2:06:44**
